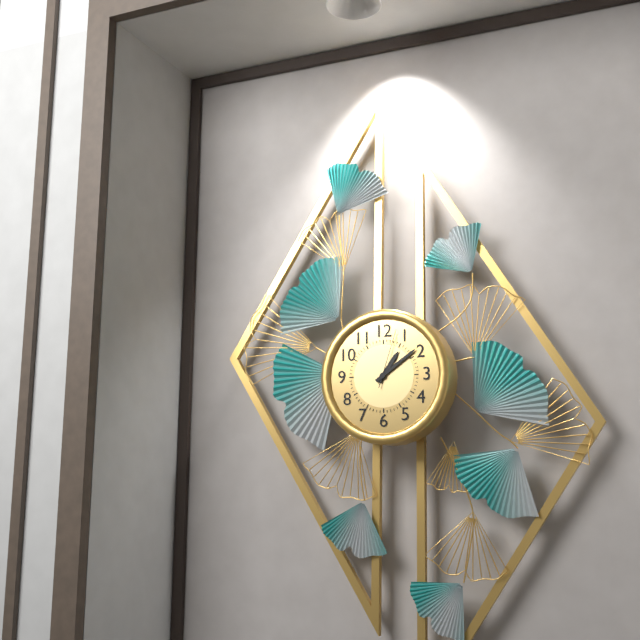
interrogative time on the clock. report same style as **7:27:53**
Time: **1:09:03**
